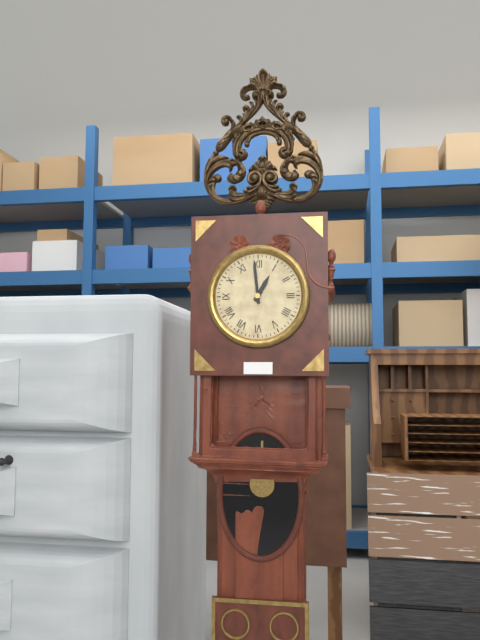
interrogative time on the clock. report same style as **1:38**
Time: **12:59**
